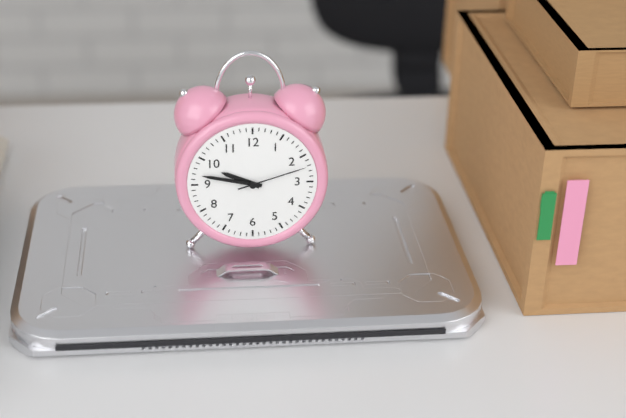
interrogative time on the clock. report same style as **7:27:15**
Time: **9:47:12**
